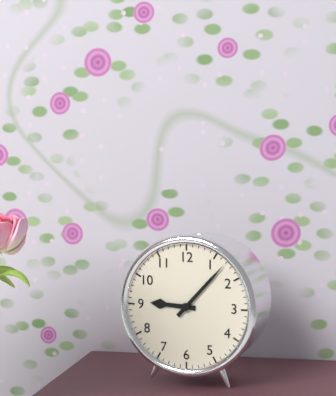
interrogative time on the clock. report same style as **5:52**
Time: **9:07**
